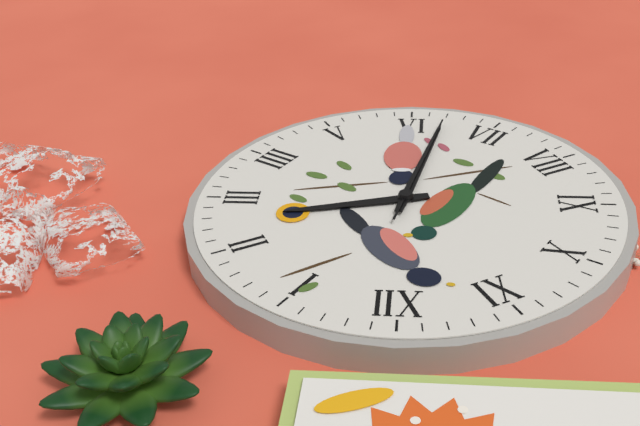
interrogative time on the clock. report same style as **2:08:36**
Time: **2:32:32**
